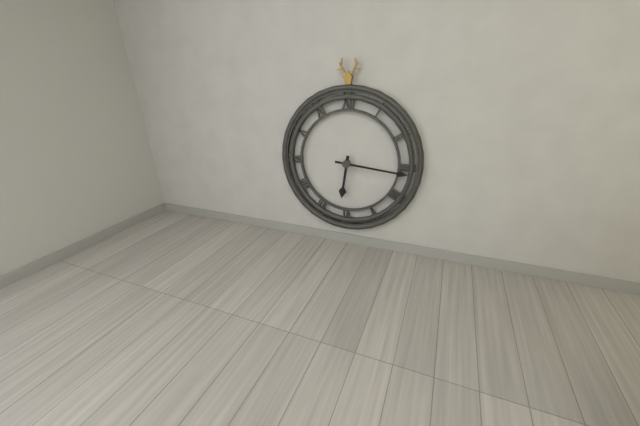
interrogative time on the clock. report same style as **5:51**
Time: **6:16**
